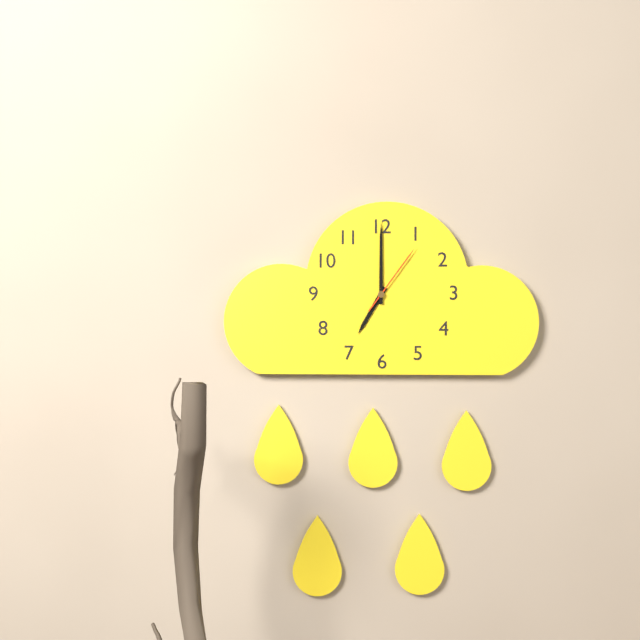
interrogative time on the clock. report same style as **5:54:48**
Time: **7:00:06**
